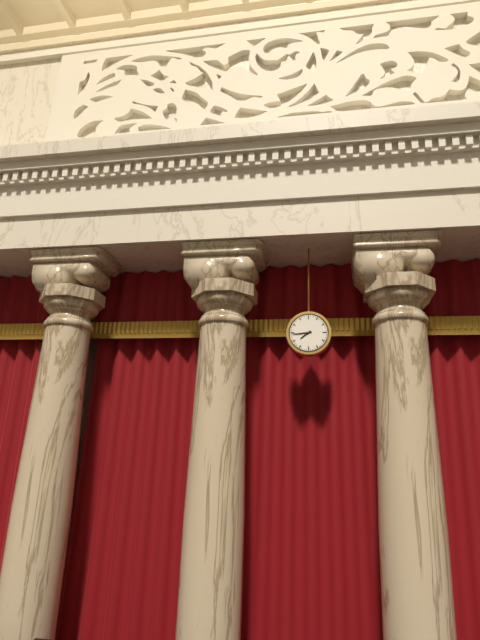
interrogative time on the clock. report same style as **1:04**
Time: **7:44**
